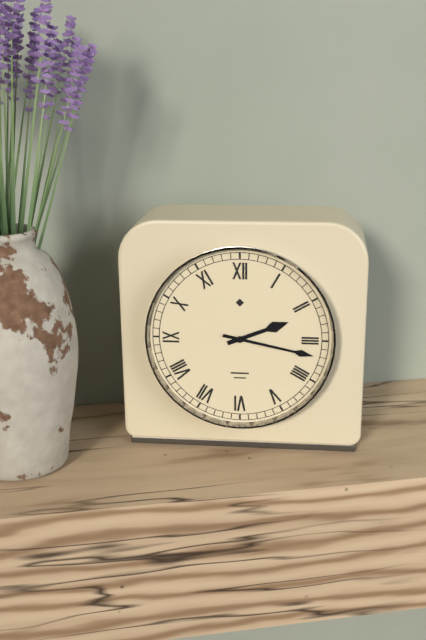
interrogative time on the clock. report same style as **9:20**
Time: **2:17**
